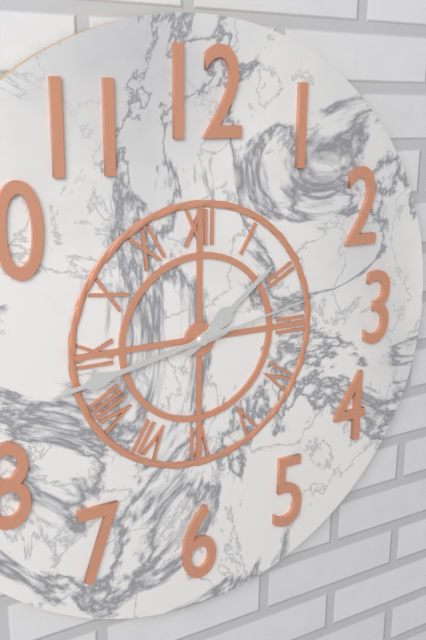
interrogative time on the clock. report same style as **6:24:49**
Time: **1:43:13**
